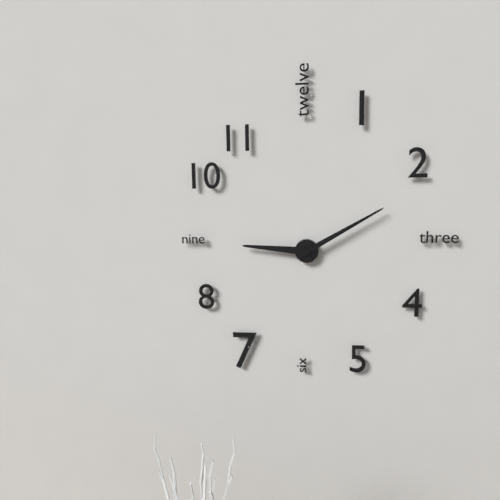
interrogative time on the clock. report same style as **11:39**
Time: **9:10**
